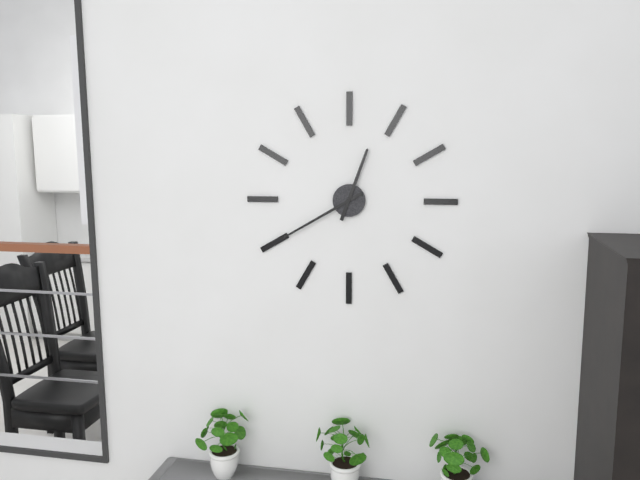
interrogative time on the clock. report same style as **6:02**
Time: **12:40**
